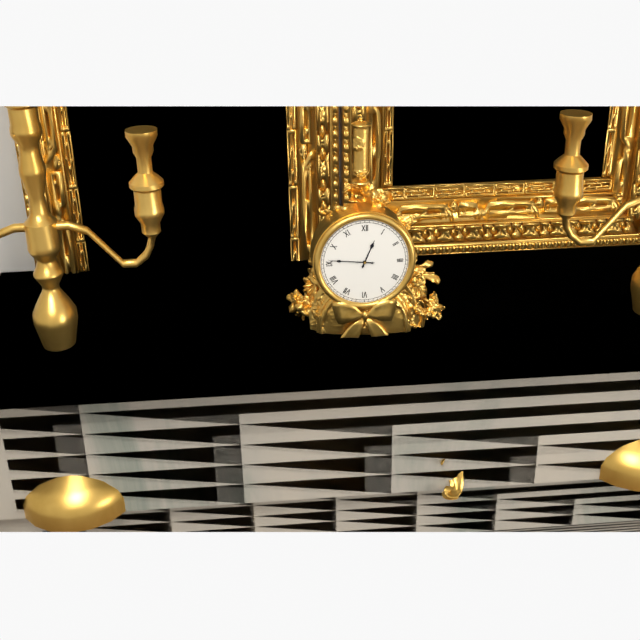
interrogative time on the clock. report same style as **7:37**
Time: **12:46**
